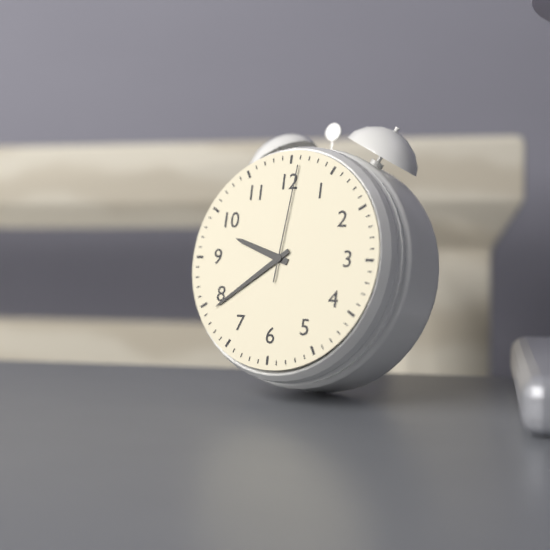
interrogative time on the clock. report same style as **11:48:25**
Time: **9:39:01**
